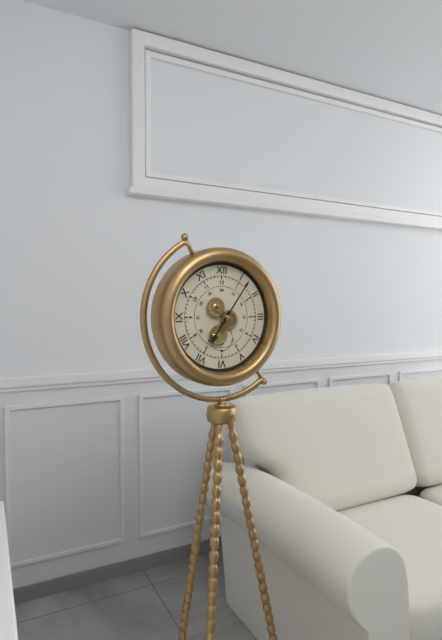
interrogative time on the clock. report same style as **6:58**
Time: **7:06**
